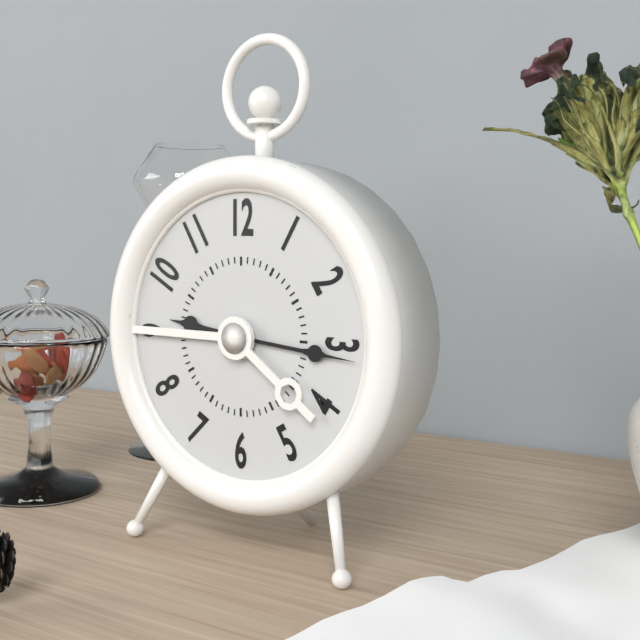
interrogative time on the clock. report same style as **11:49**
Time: **9:16**
